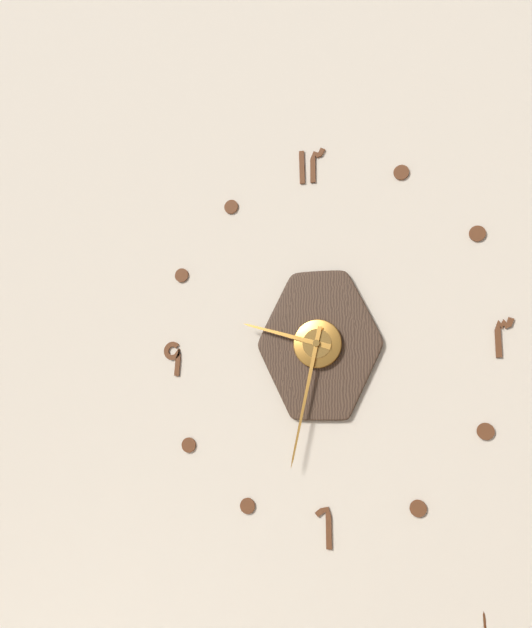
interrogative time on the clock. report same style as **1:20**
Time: **9:32**
